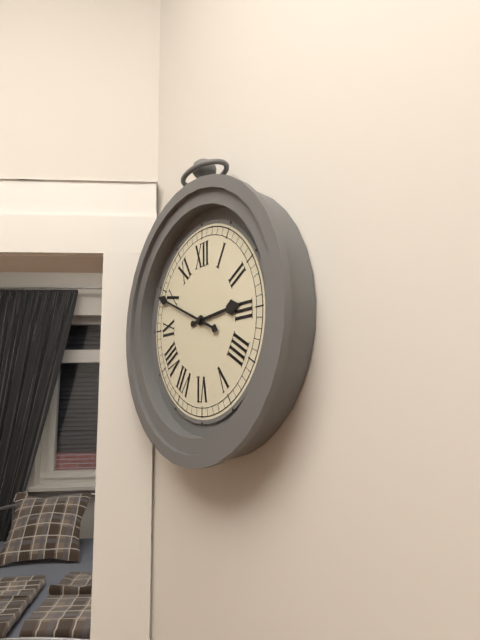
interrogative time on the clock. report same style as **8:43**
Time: **2:49**
